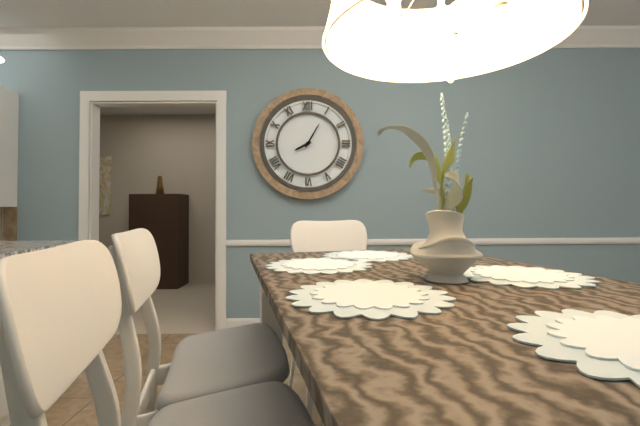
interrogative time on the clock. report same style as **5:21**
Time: **8:05**
